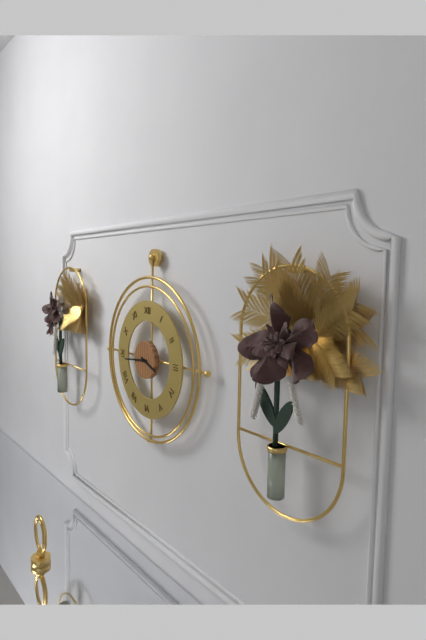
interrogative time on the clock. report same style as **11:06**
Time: **3:44**
